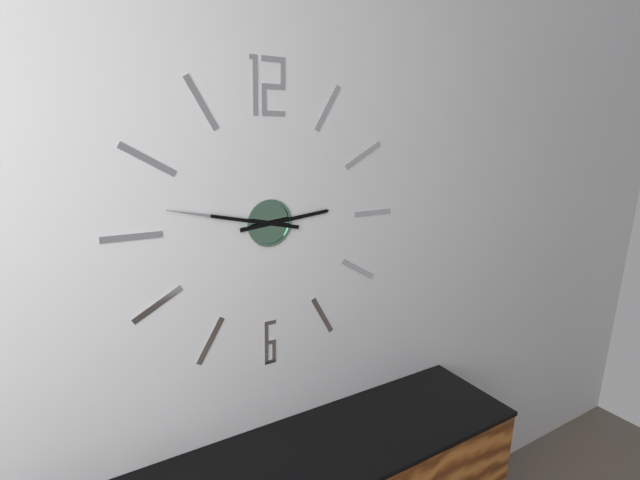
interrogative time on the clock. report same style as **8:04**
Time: **2:47**
